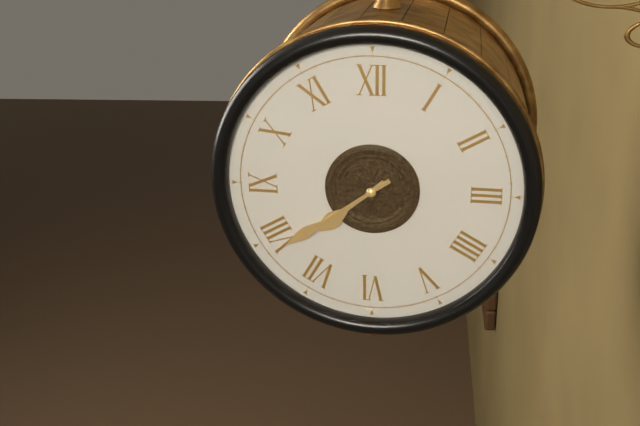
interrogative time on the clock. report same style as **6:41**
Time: **7:39**
